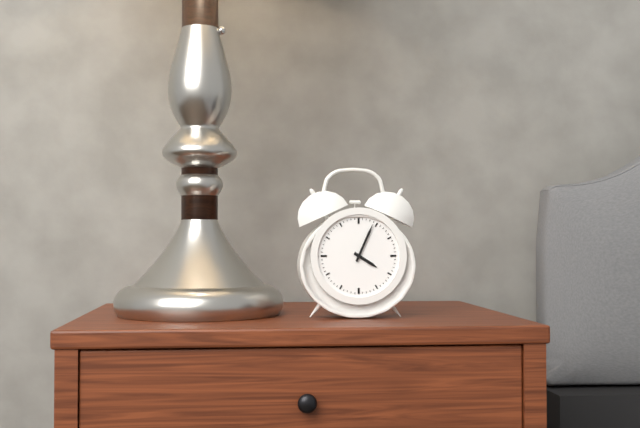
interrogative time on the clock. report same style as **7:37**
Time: **4:04**
